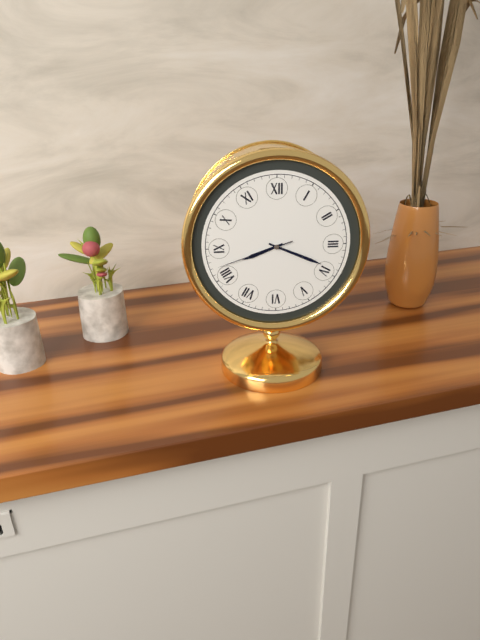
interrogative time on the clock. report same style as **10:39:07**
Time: **8:19:42**
